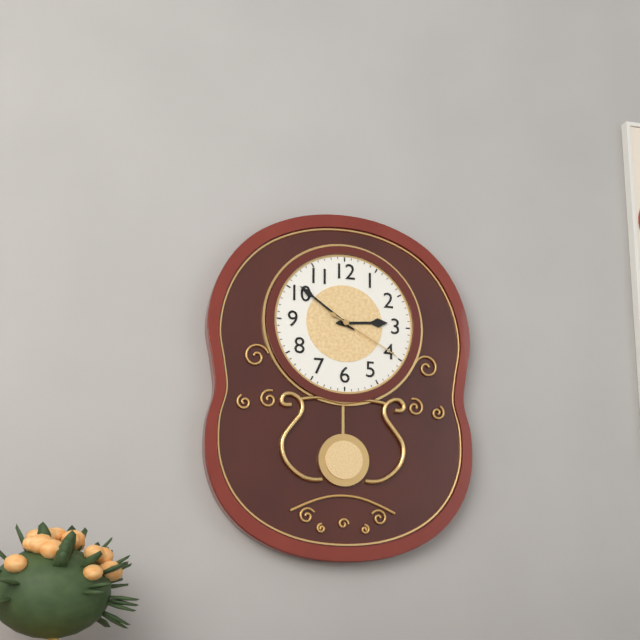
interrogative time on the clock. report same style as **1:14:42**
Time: **2:51:20**
